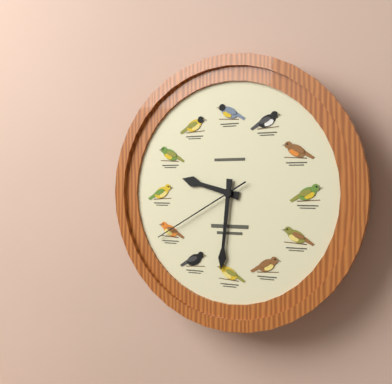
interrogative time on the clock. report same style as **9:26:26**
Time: **9:31:40**
